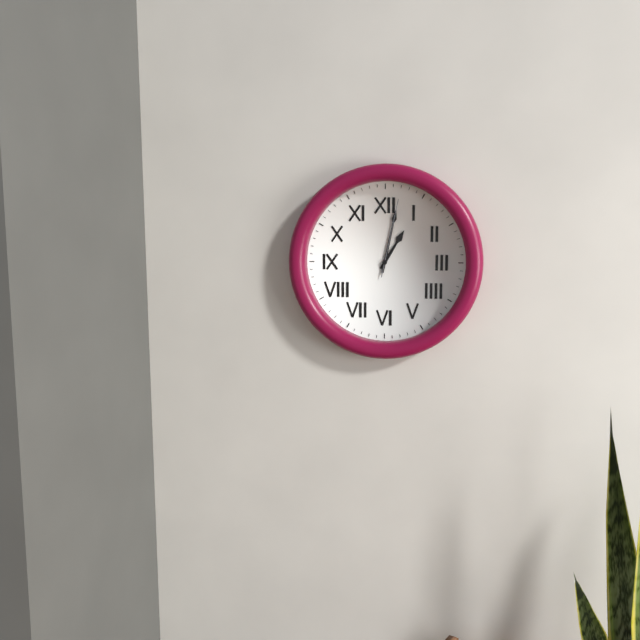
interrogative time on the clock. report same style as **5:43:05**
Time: **1:02:02**
